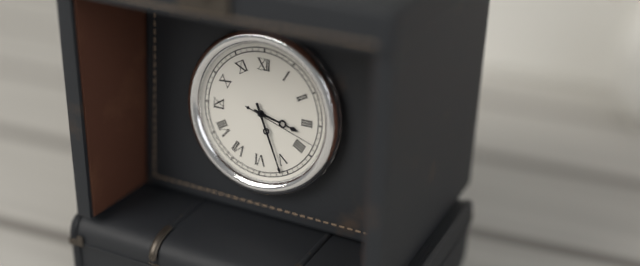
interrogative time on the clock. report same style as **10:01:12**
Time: **3:26:18**
